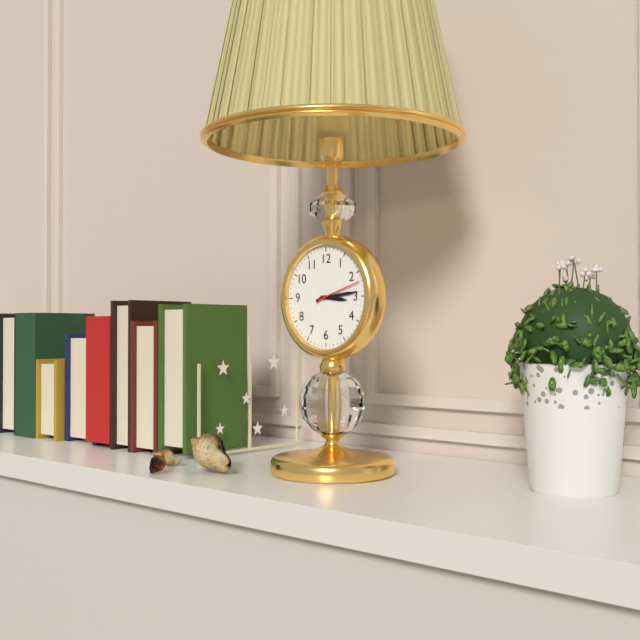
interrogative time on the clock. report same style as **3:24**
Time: **3:14**
